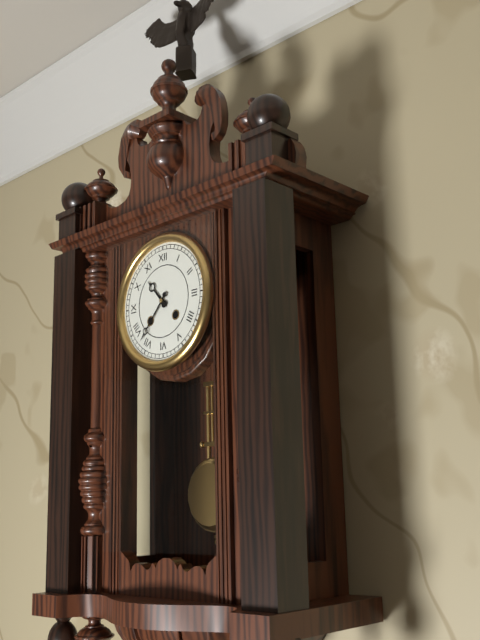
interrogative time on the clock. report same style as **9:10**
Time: **10:37**
